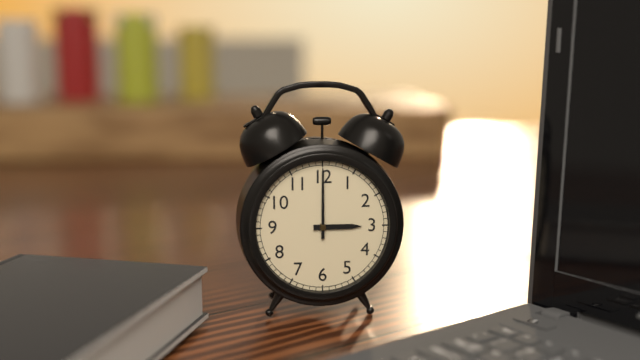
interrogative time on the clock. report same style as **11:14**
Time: **3:00**
